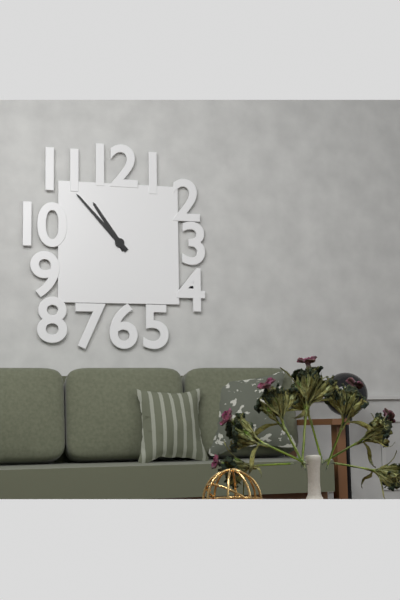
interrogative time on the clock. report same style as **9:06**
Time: **10:53**
